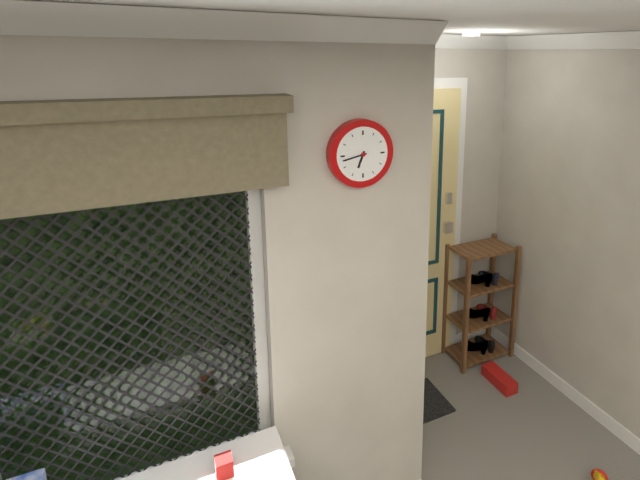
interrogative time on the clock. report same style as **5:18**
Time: **6:43**
